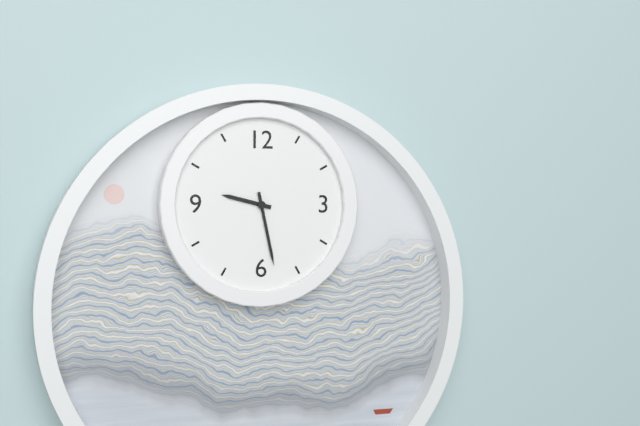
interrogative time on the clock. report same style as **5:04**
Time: **9:28**
